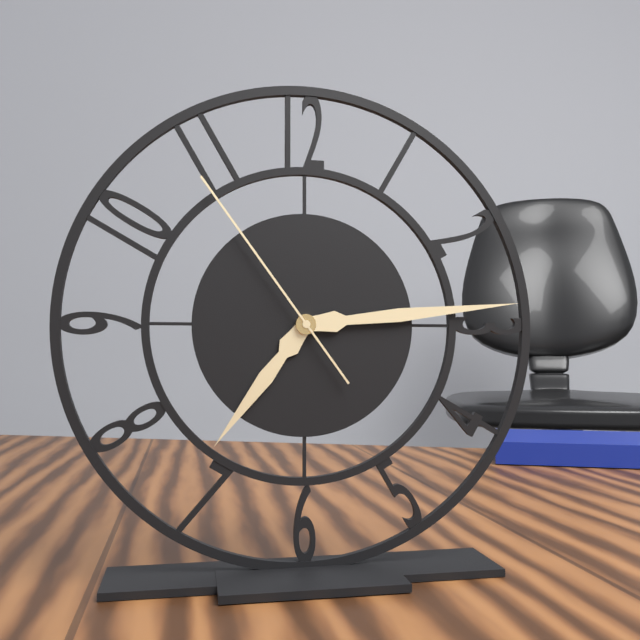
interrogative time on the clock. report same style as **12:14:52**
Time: **7:14:54**
